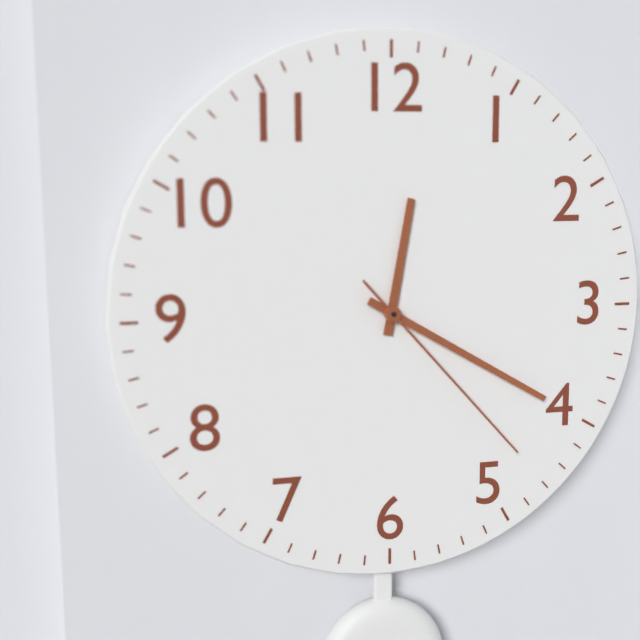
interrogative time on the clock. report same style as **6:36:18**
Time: **12:20:23**
